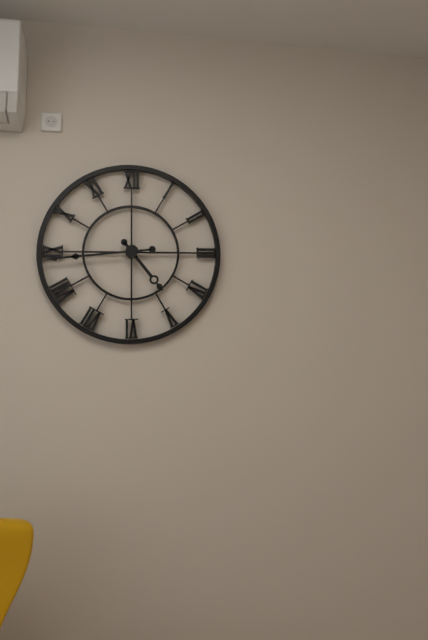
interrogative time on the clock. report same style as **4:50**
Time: **4:44**
